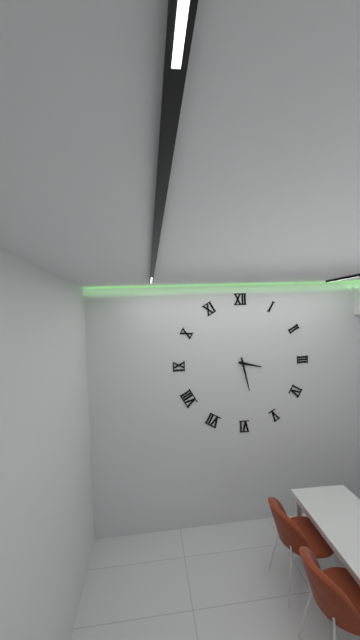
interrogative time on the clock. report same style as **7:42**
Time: **3:28**
